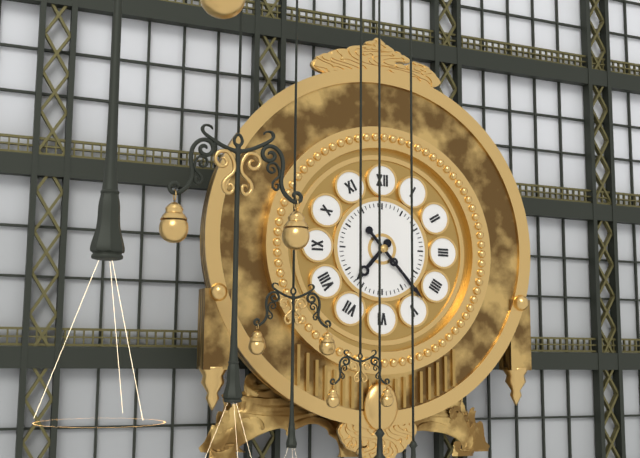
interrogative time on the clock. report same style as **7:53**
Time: **7:23**
